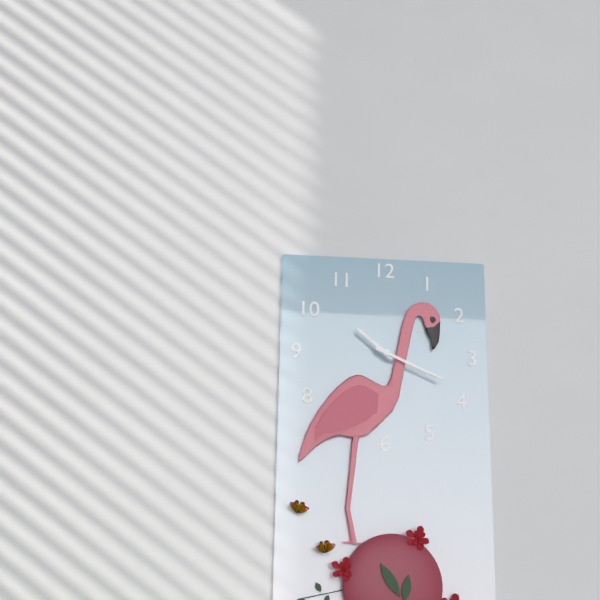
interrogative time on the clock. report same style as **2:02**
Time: **10:19**
